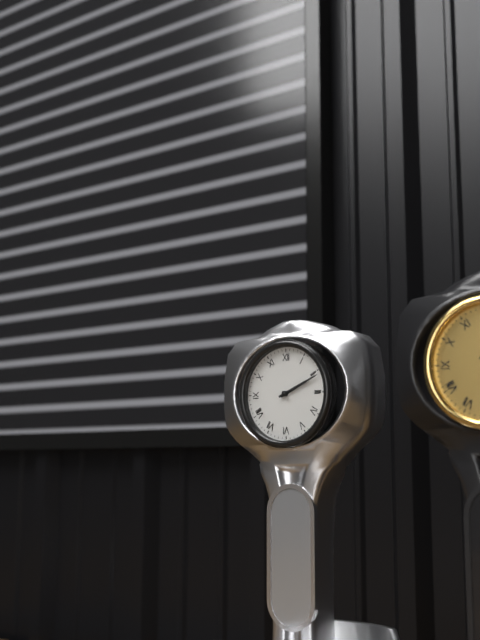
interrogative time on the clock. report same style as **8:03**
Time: **2:11**
